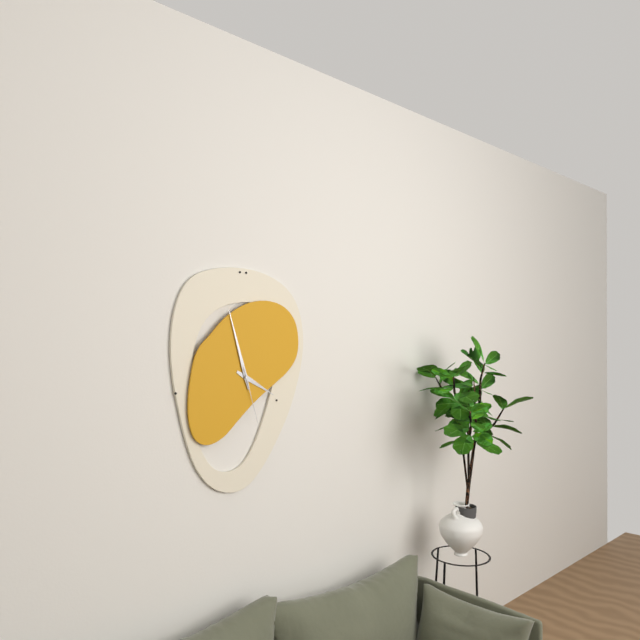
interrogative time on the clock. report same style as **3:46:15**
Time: **3:57:27**
